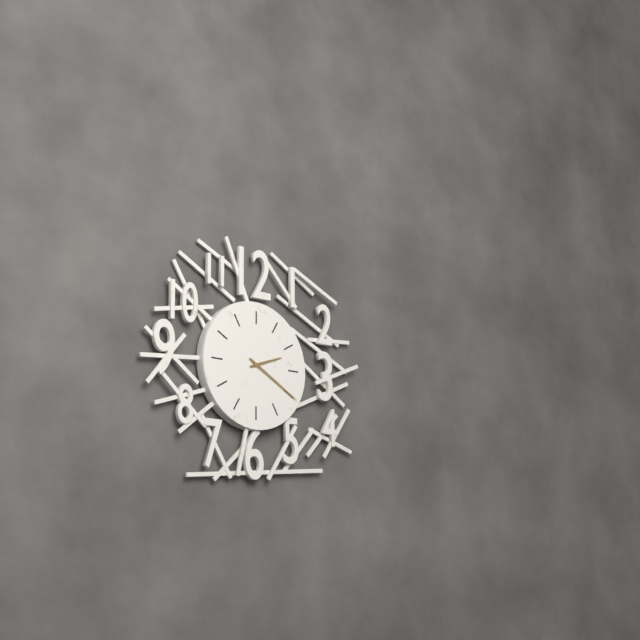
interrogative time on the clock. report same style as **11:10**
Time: **2:20**
